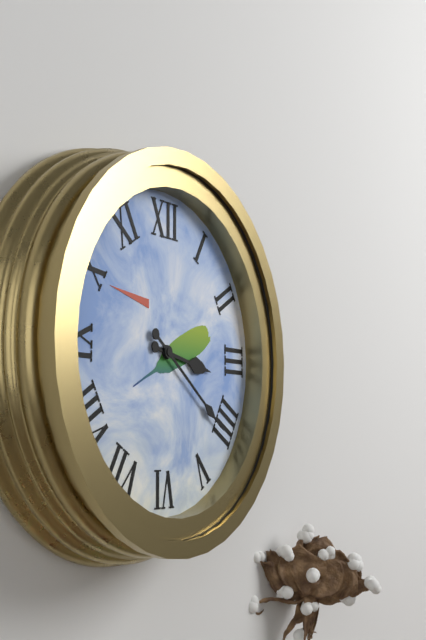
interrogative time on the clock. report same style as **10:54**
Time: **3:21**
